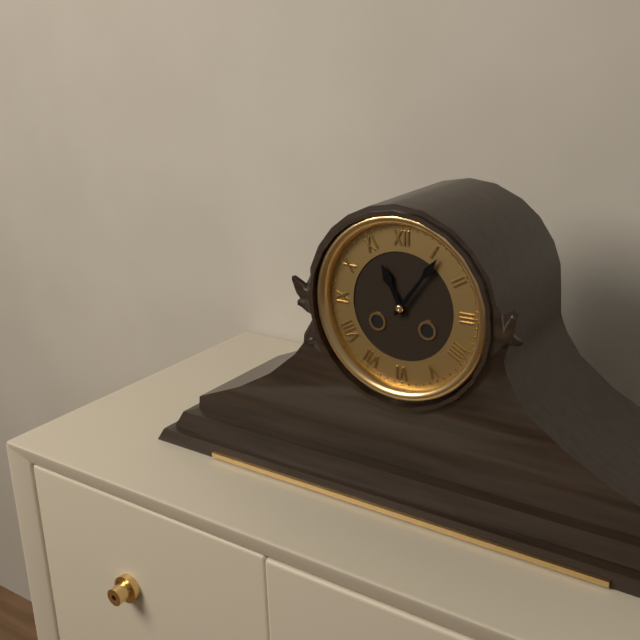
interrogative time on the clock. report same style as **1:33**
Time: **11:06**
